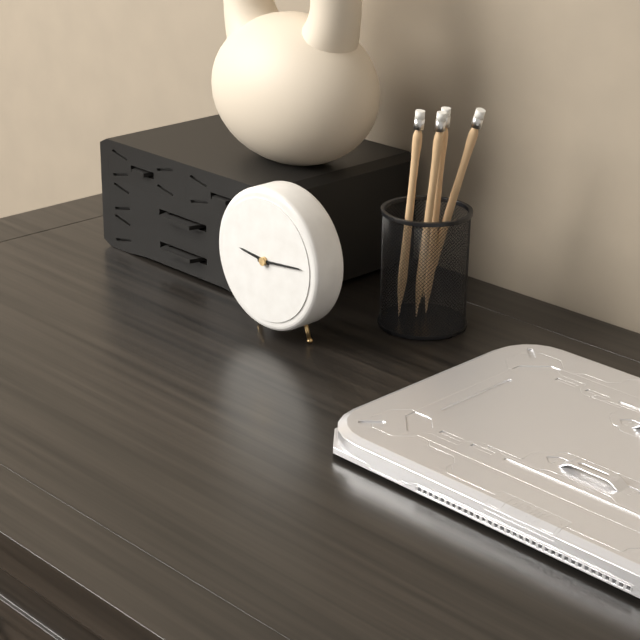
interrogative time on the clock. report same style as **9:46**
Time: **9:14**
